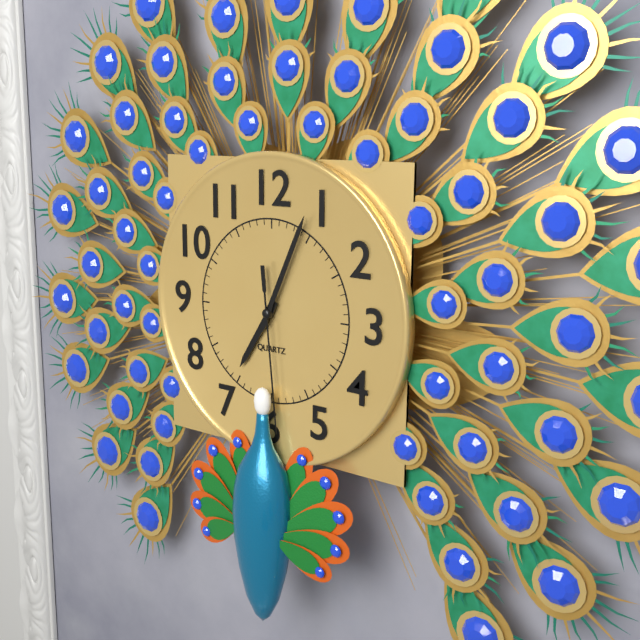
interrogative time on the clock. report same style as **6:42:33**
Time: **7:04:29**
